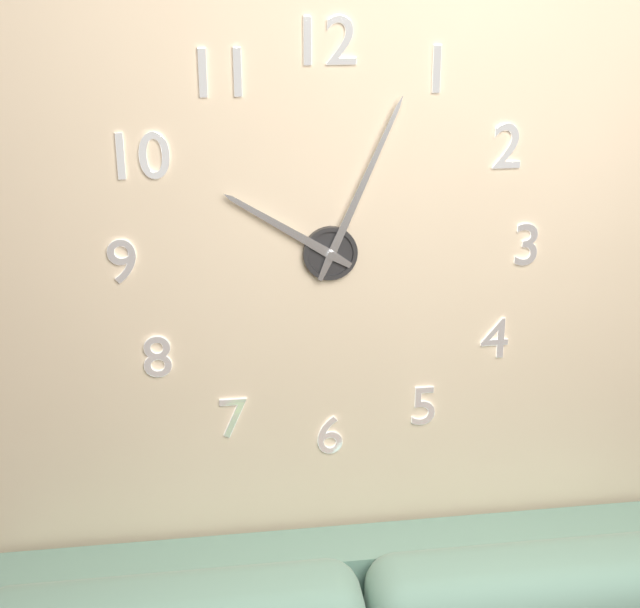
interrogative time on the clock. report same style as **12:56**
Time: **10:04**
